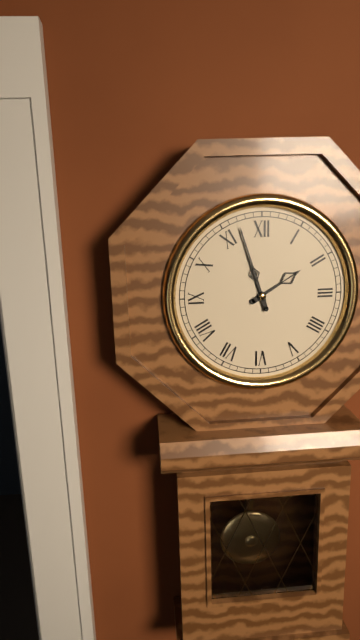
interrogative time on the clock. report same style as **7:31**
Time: **1:57**
